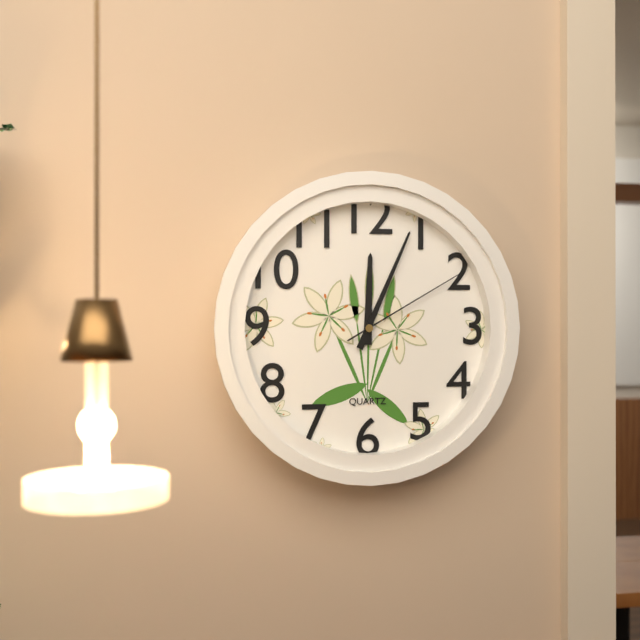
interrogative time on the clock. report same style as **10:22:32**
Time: **12:04:10**
